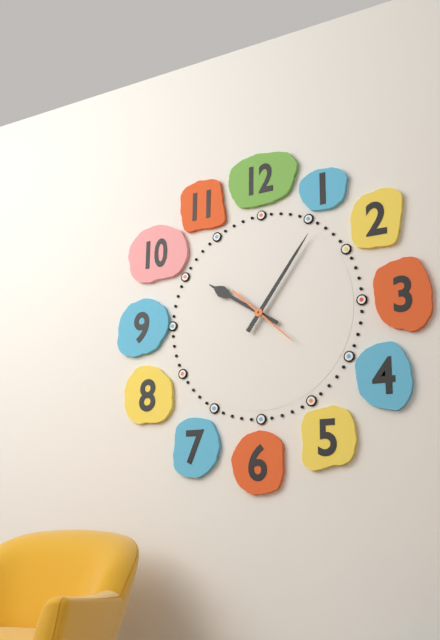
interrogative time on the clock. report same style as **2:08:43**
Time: **10:06:22**
